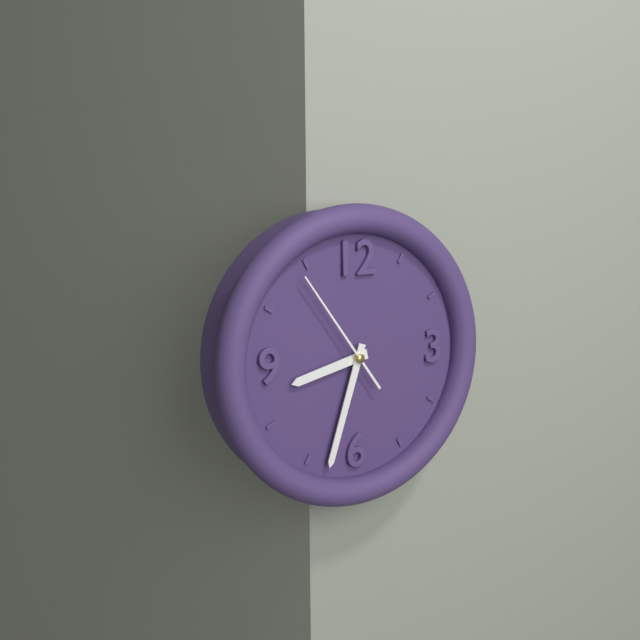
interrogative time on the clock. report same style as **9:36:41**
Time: **8:33:54**
